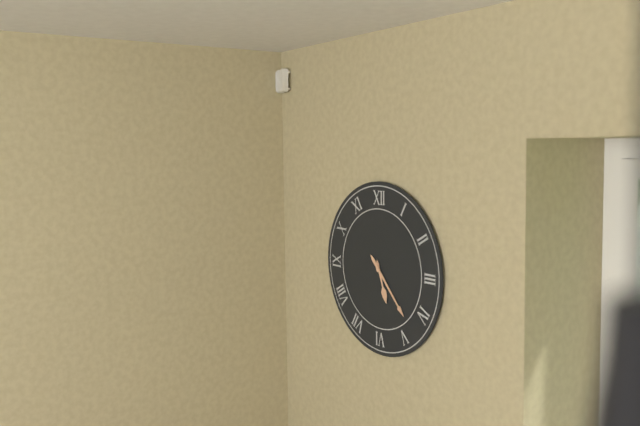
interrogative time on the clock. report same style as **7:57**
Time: **5:23**
